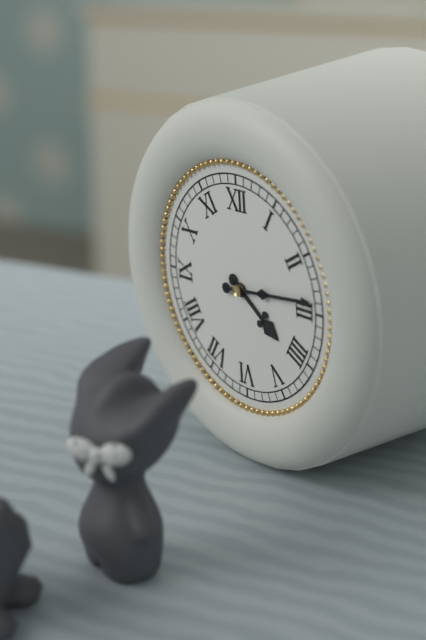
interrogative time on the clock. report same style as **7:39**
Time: **4:14**
